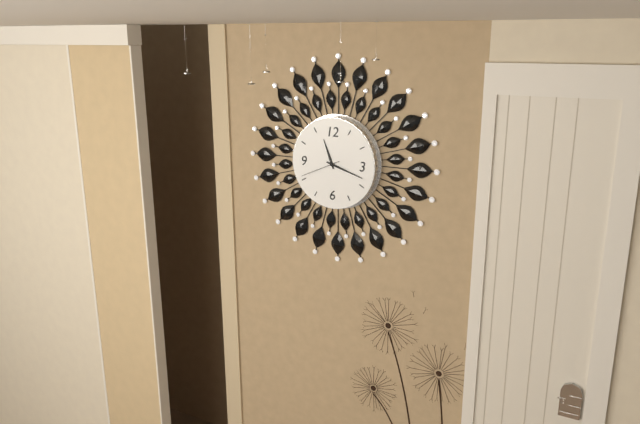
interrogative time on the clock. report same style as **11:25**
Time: **11:18**
